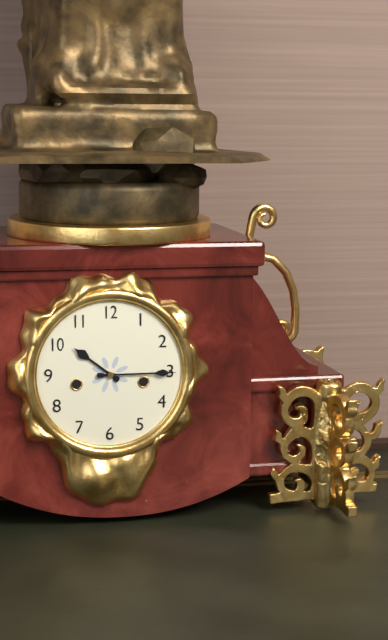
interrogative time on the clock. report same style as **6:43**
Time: **10:15**
